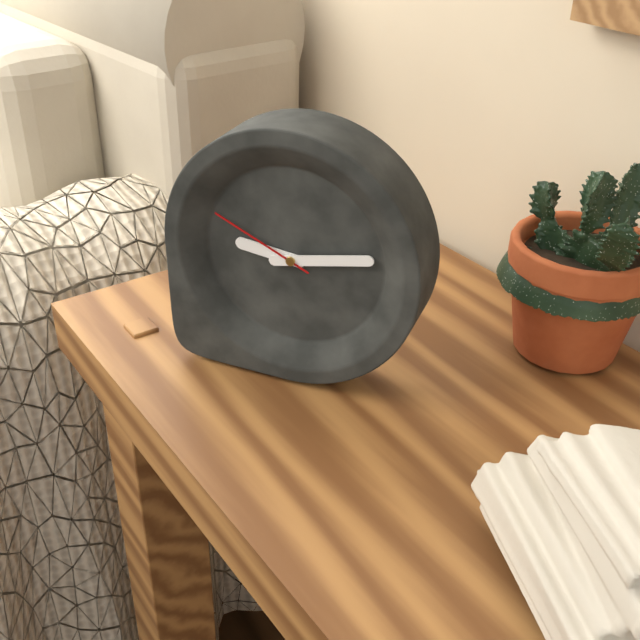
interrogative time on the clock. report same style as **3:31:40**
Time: **9:13:49**
